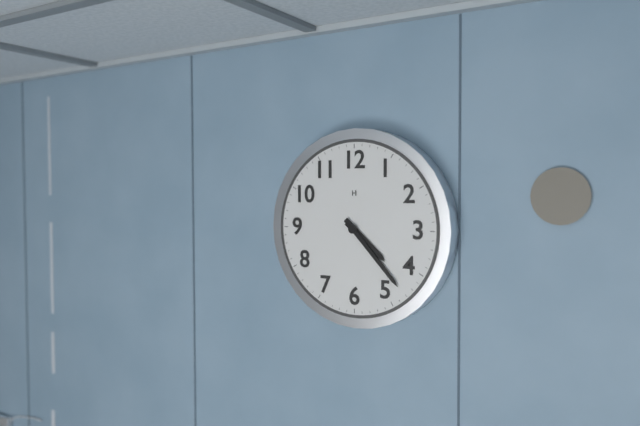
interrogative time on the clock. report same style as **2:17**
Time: **4:23**
